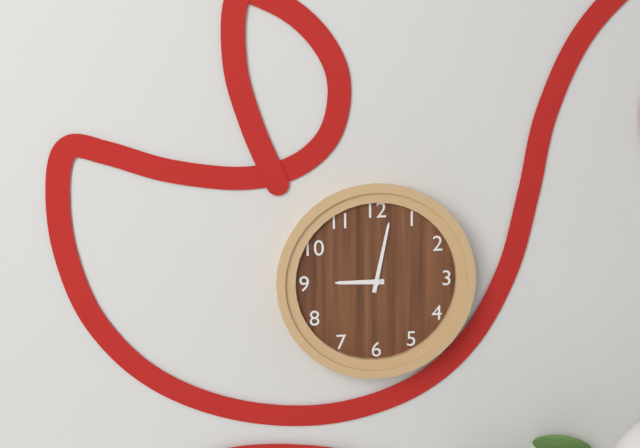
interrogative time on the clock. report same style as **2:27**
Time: **9:02**
